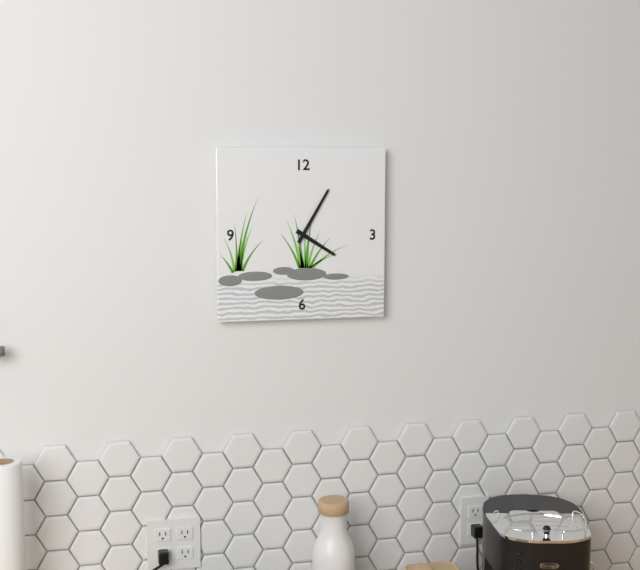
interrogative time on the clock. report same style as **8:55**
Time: **4:05**
